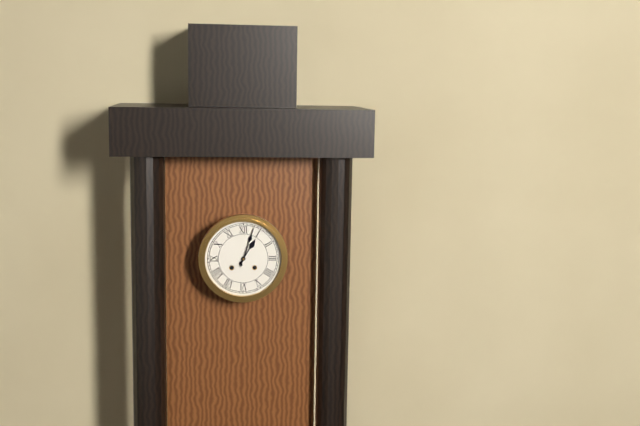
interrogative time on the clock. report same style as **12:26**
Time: **1:03**
